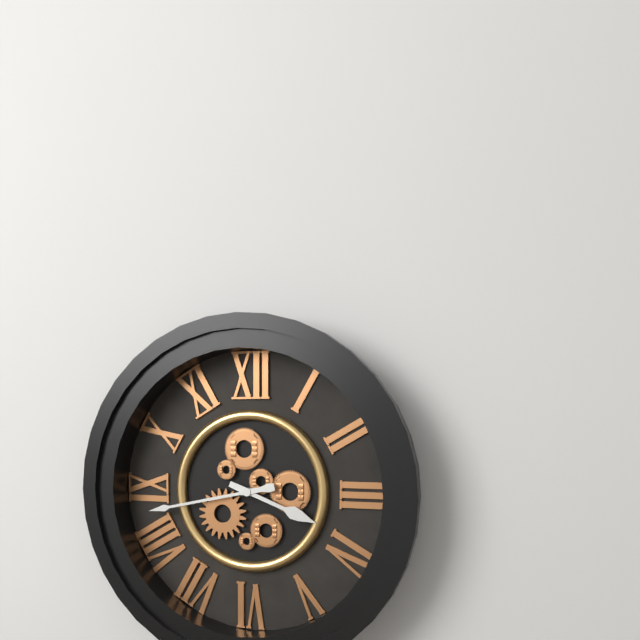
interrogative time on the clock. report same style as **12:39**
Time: **3:43**
